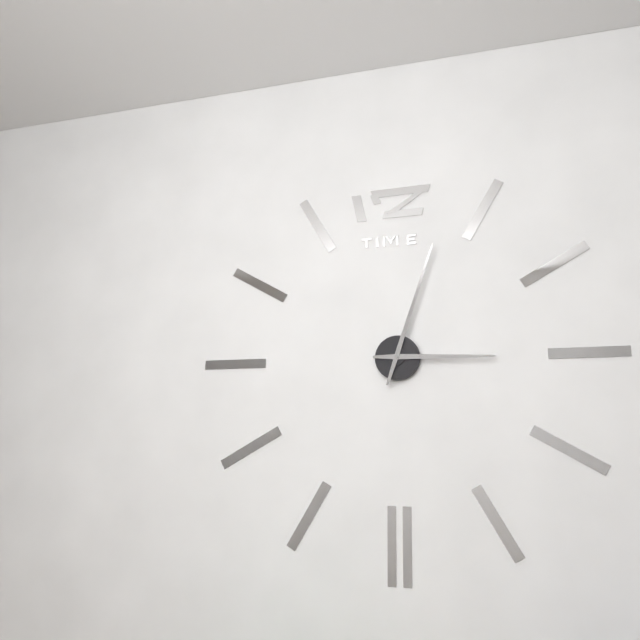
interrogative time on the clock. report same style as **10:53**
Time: **3:03**
